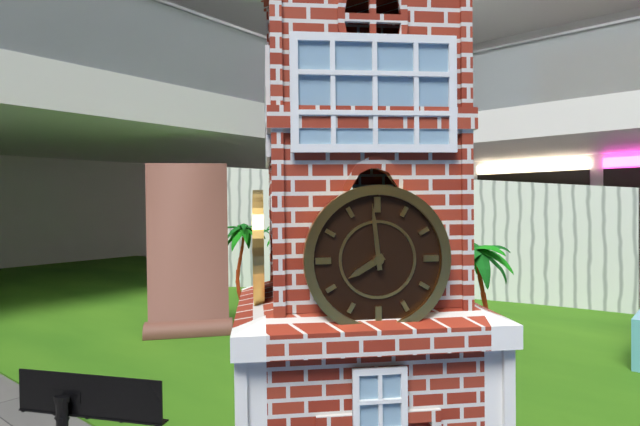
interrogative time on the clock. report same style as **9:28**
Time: **7:59**
